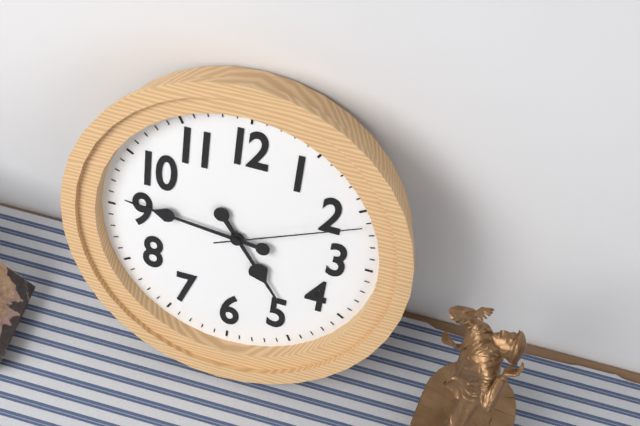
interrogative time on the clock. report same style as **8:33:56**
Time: **4:46:11**
